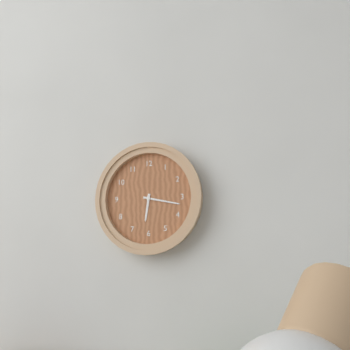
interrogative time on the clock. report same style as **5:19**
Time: **6:17**
